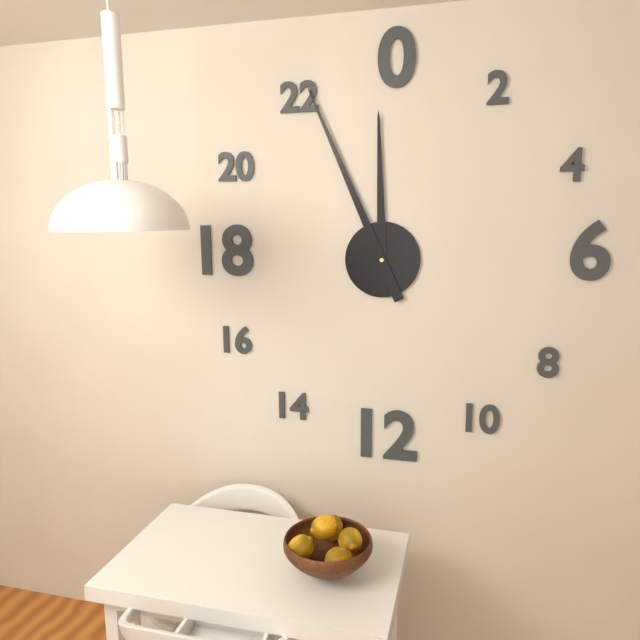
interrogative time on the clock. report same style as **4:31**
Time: **11:56**
